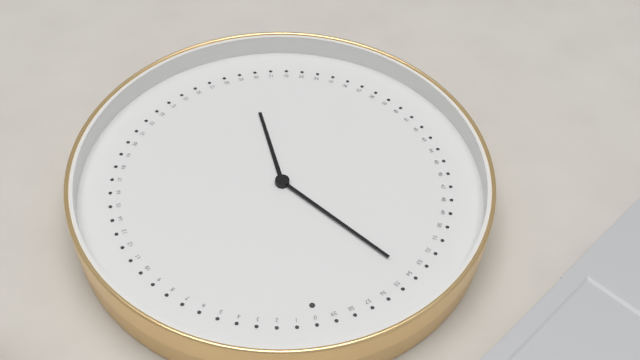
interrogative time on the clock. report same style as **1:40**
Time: **5:54**
